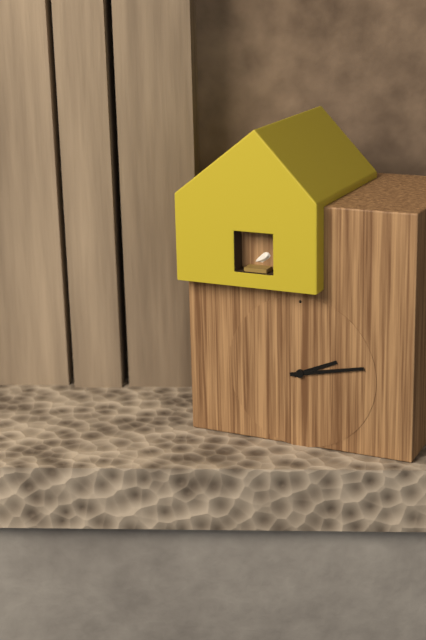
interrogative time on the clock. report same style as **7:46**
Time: **2:13**
